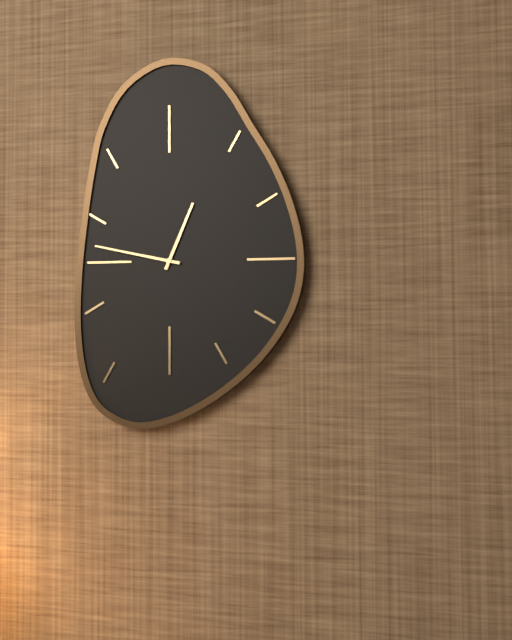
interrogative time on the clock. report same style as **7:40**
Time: **12:47**
